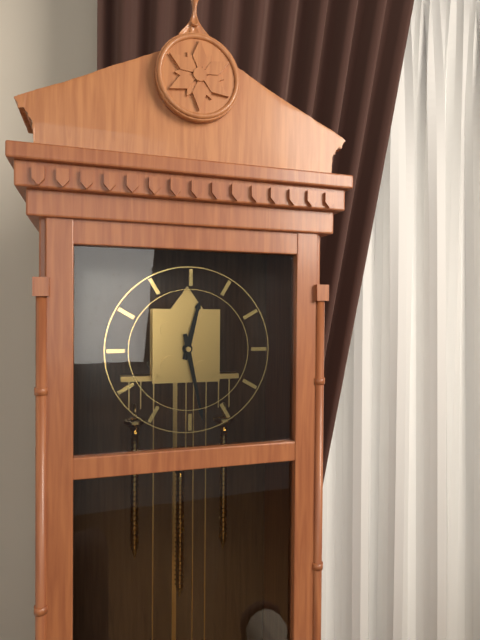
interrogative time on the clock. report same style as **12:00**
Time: **12:28**
